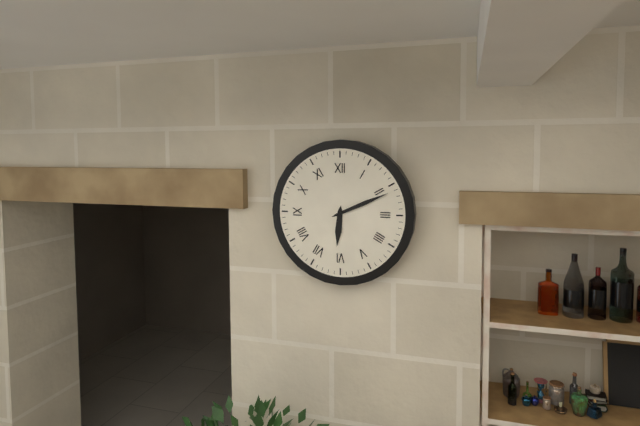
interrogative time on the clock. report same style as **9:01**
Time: **6:11**
